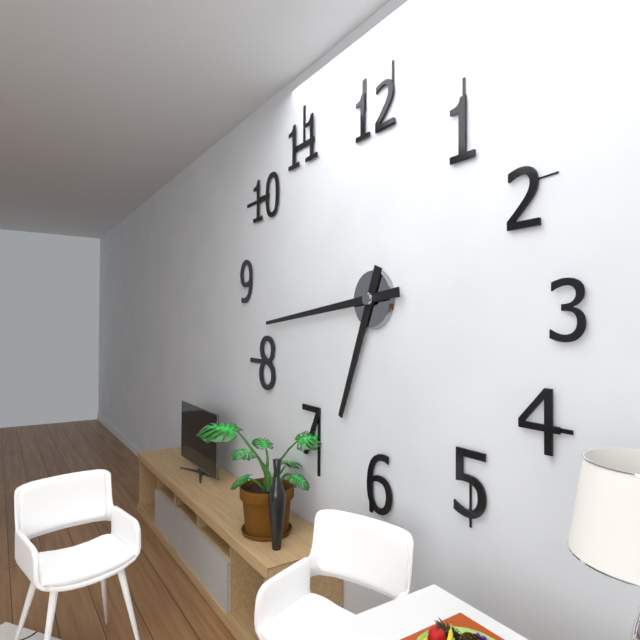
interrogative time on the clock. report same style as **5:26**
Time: **6:44**
